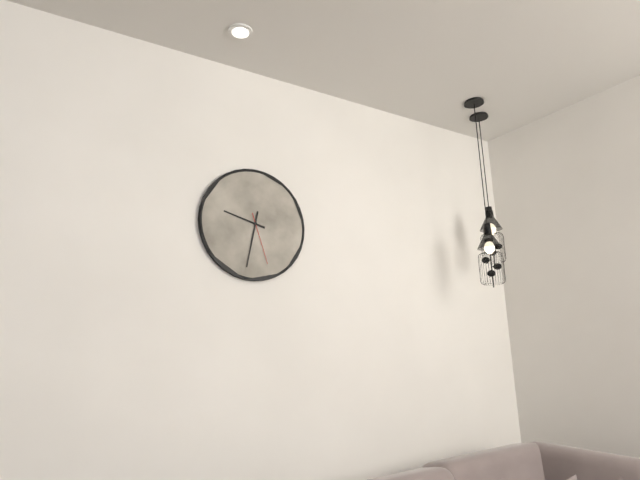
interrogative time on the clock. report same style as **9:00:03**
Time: **9:32:27**
